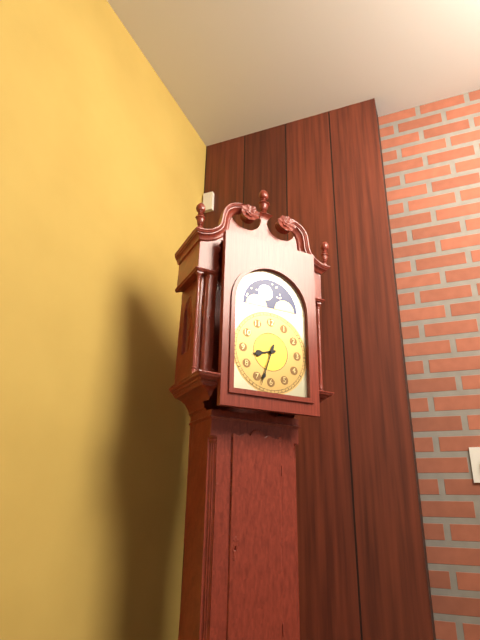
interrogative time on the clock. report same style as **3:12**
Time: **8:33**
